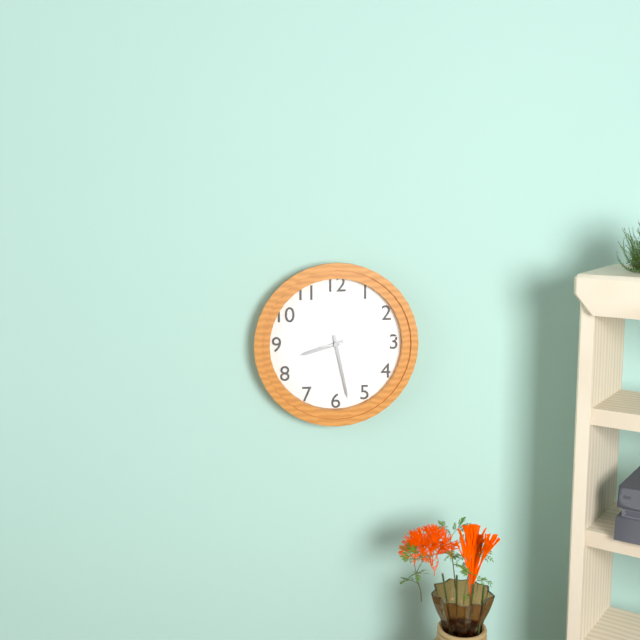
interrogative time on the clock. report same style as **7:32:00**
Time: **8:28:14**
